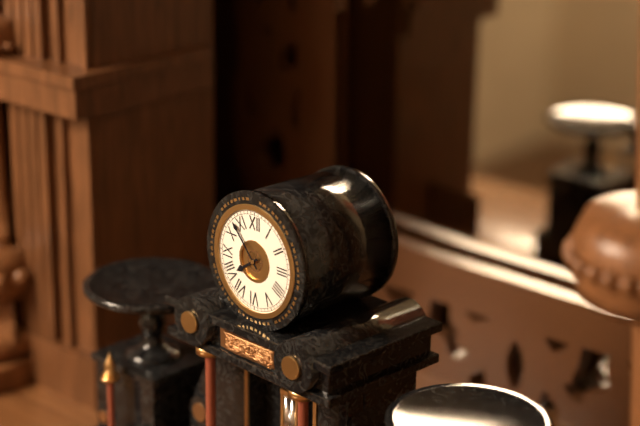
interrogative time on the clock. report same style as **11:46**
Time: **7:53**
